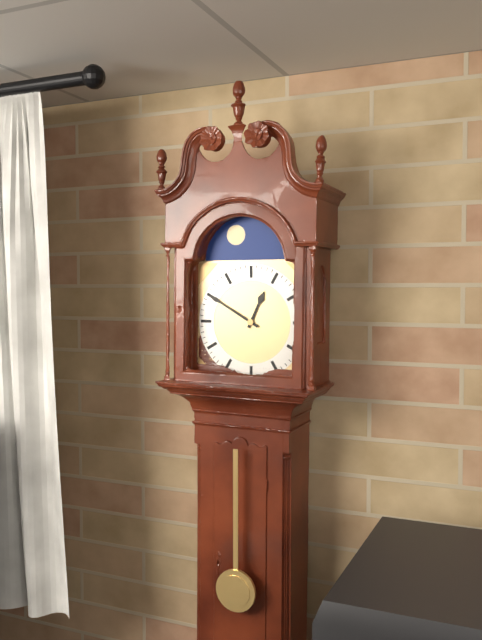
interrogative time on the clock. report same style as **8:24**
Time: **12:50**
